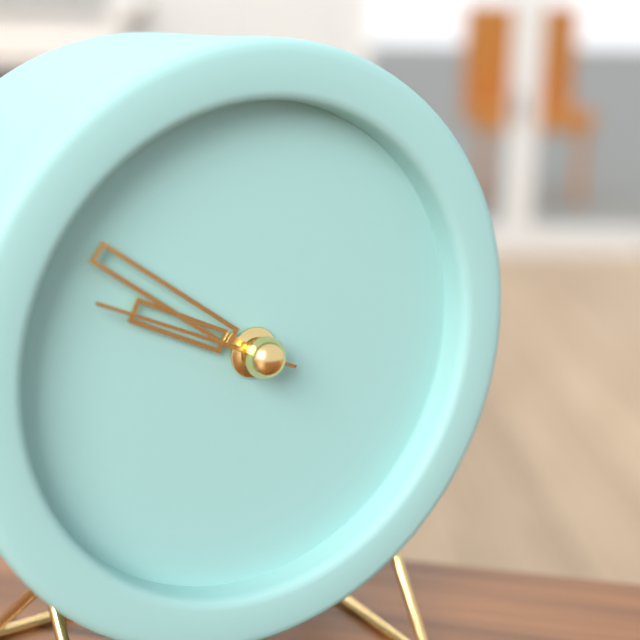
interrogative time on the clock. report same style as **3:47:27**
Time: **9:51:49**
